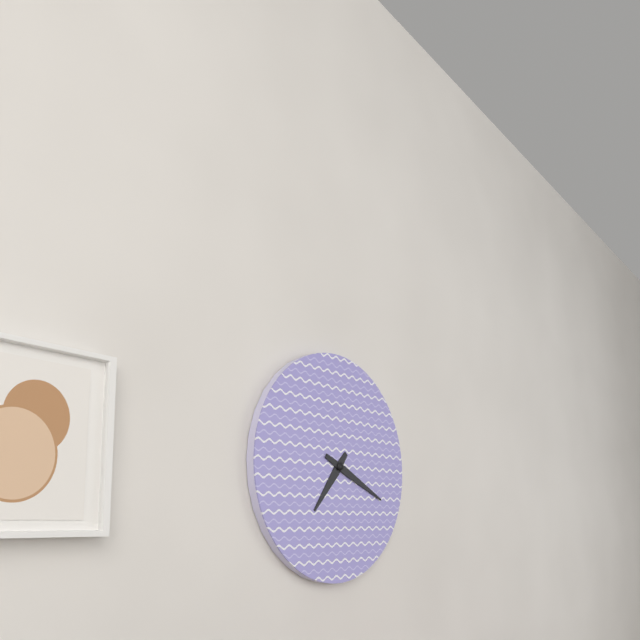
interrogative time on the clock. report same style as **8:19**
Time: **7:19**
